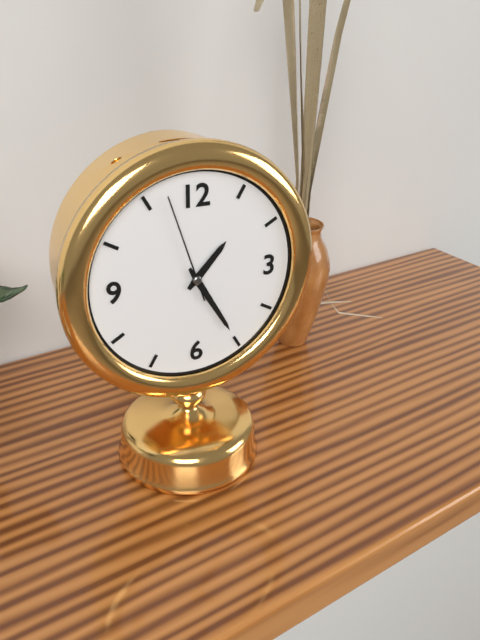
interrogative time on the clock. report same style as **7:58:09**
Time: **1:25:57**
